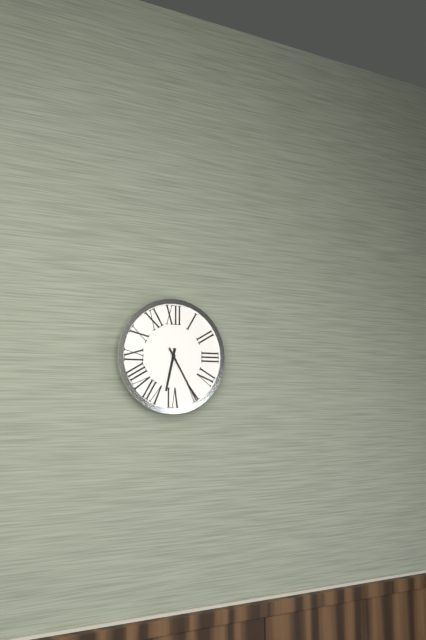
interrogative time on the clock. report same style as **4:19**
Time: **6:25**
